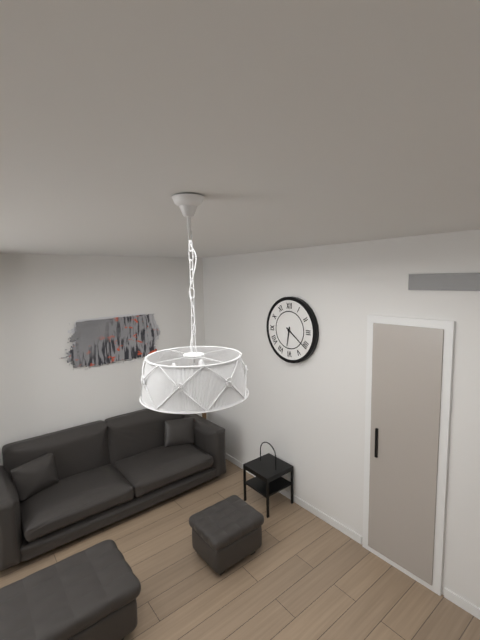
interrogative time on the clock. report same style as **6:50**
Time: **6:21**
